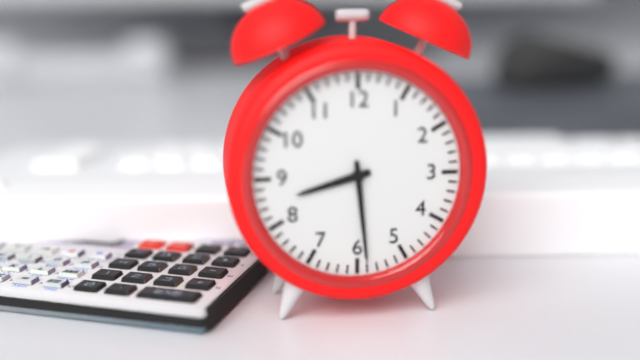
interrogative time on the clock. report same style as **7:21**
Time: **8:29**
